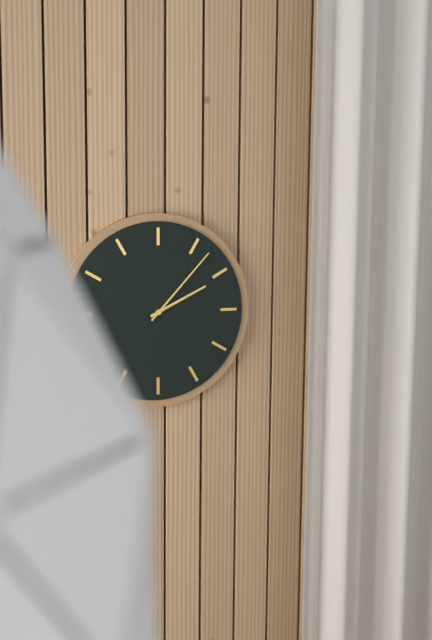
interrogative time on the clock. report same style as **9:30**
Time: **2:07**
